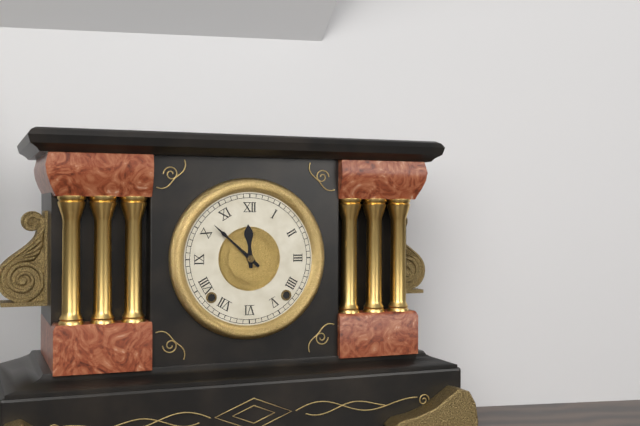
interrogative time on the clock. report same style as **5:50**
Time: **11:52**
